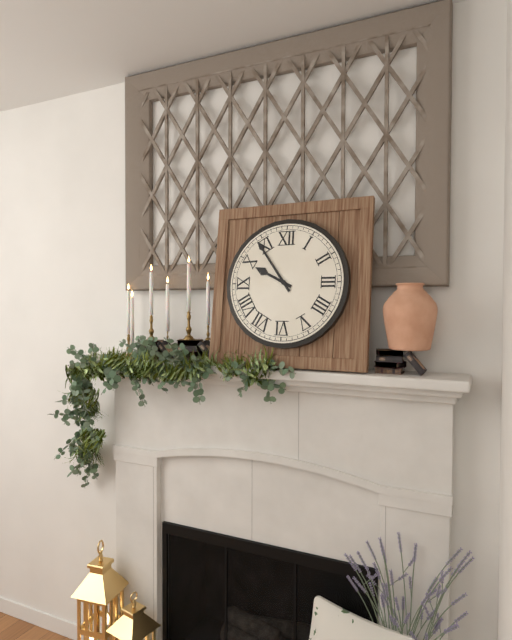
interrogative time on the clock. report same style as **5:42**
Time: **9:54**
